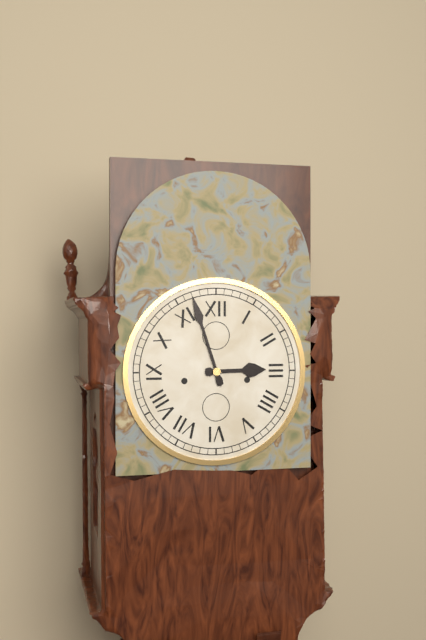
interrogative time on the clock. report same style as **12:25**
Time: **2:57**
